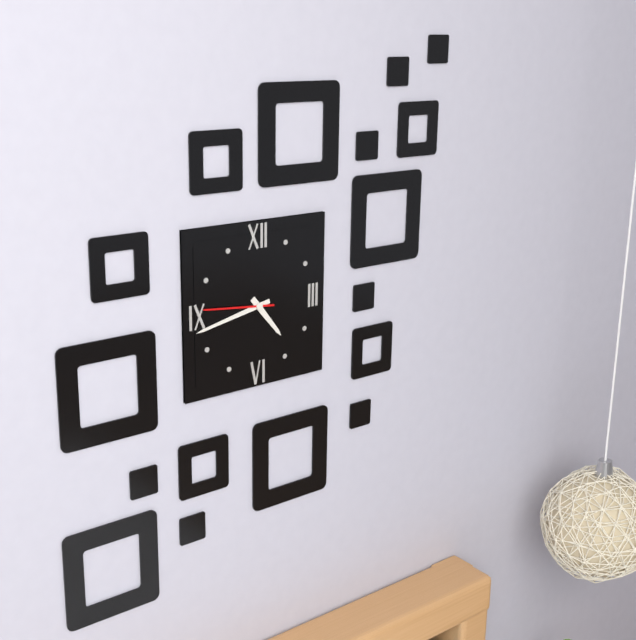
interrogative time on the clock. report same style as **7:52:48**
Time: **4:43:46**
